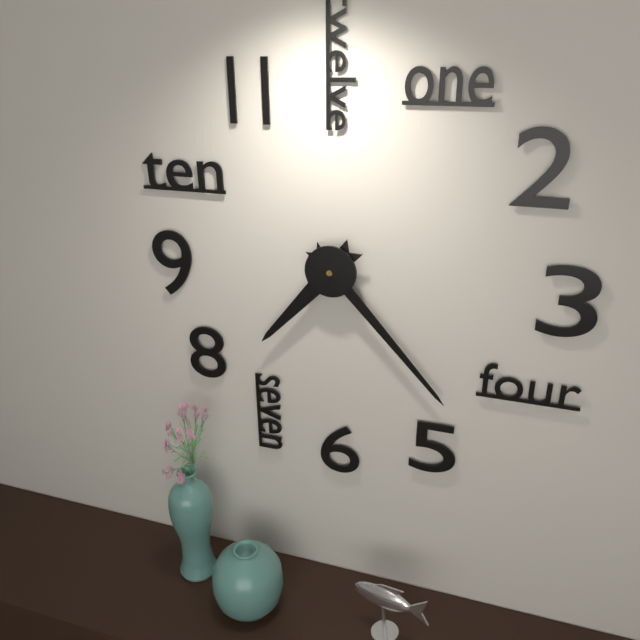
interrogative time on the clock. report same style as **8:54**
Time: **7:23**
